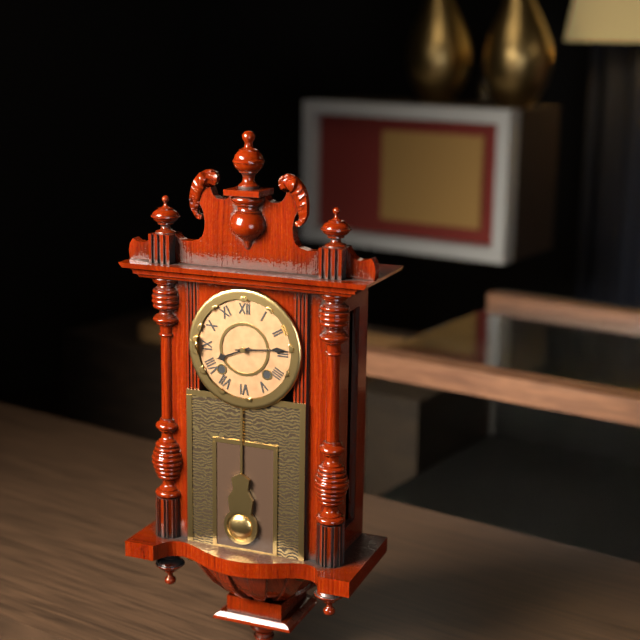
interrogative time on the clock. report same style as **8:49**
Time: **8:14**
